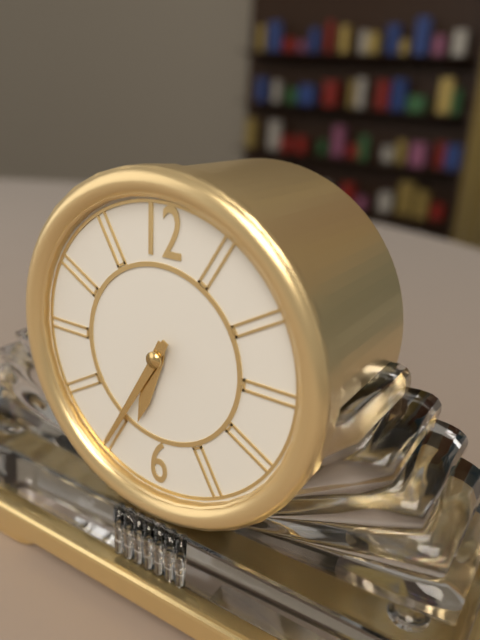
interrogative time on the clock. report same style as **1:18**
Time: **6:35**
